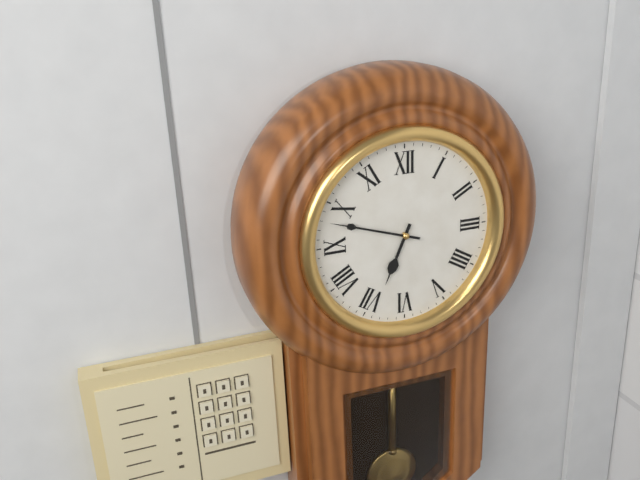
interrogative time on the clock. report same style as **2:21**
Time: **6:48**
